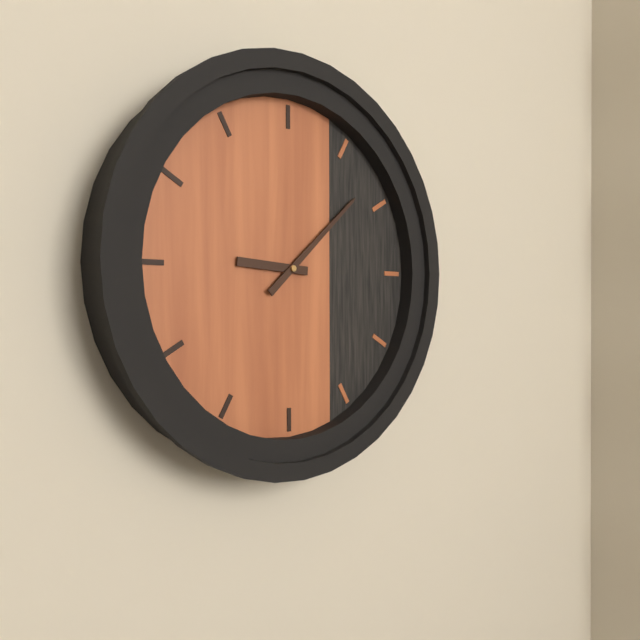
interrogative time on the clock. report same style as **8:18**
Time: **9:08**
